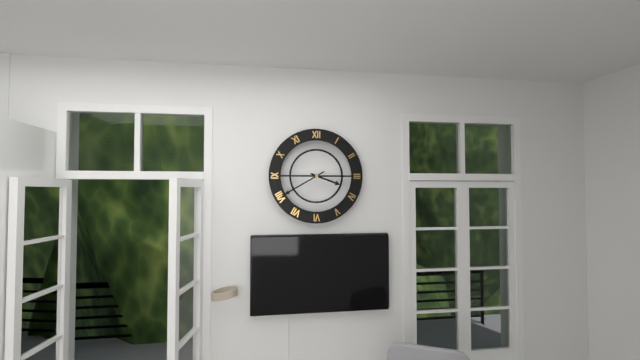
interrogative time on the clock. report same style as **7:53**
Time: **3:40**
